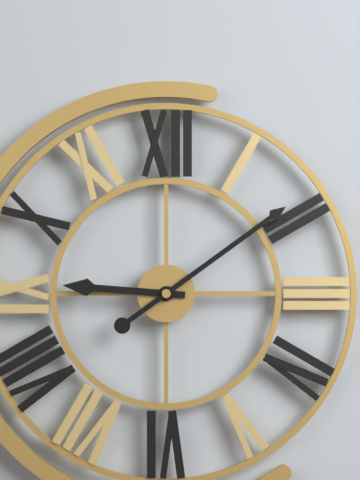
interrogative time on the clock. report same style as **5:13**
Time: **9:09**
